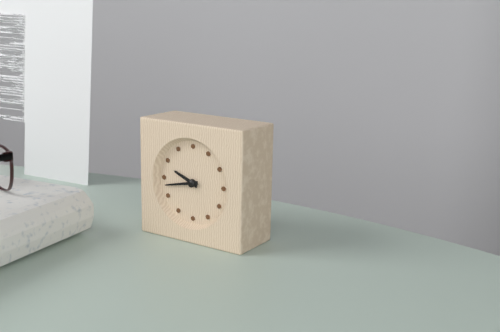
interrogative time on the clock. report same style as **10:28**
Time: **9:43**
